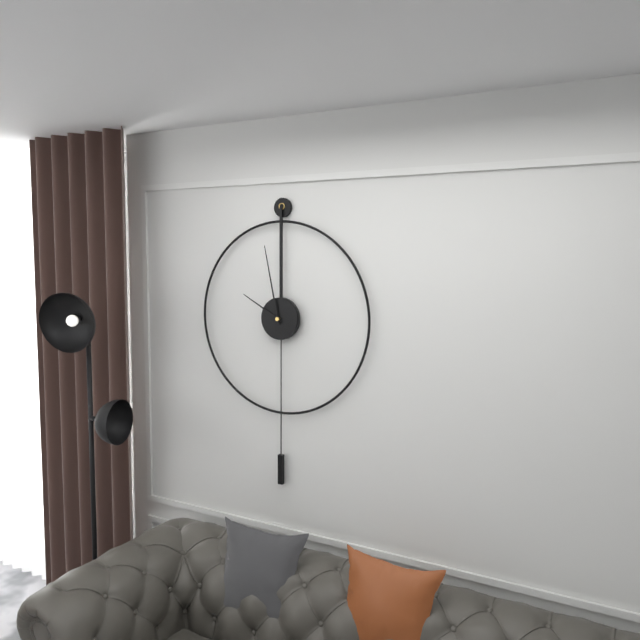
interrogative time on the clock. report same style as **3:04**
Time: **9:58**
